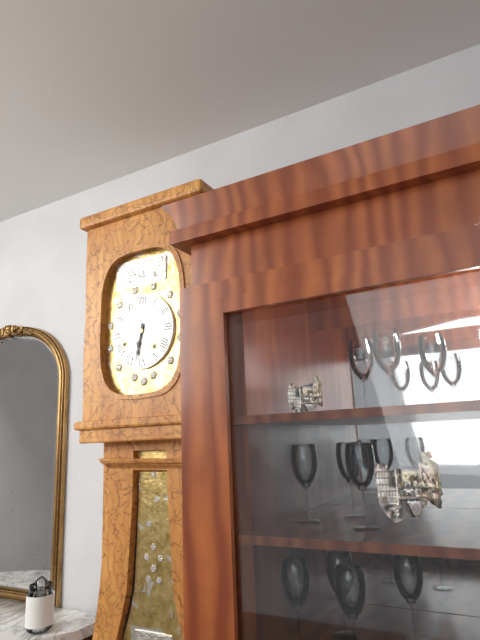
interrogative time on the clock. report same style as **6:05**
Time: **6:32**
